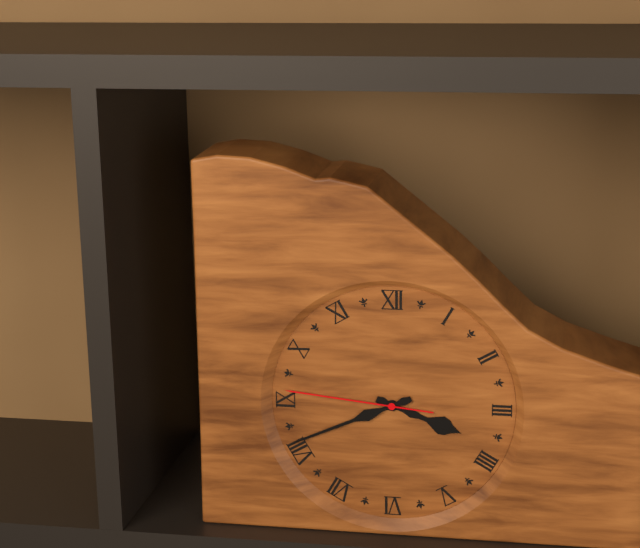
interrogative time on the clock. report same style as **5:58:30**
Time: **3:41:46**
